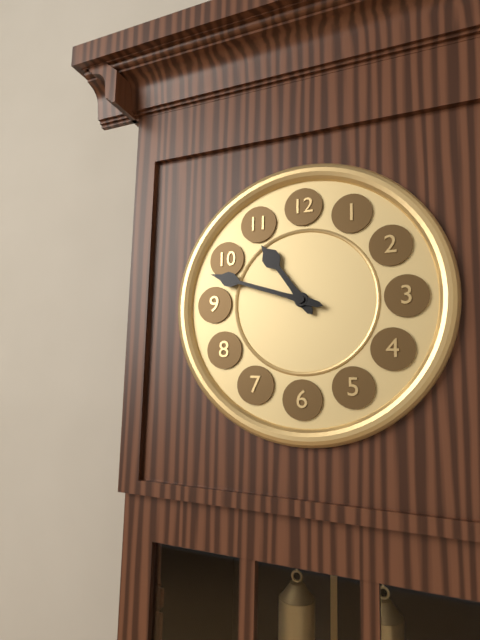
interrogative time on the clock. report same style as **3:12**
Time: **10:48**
